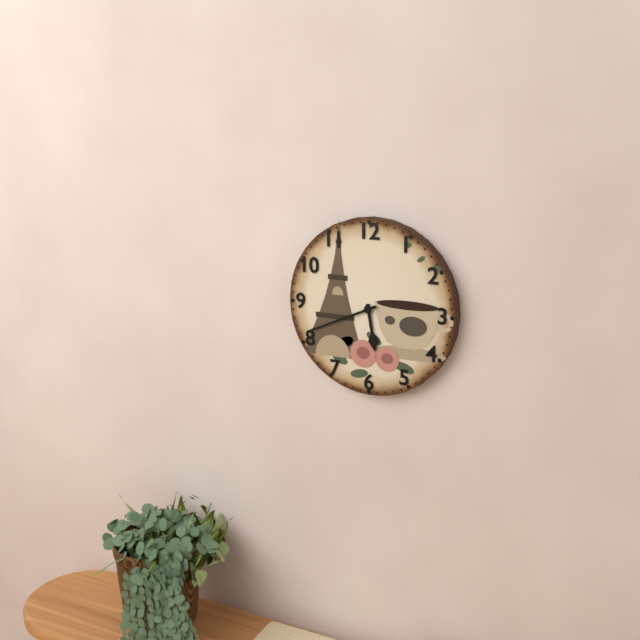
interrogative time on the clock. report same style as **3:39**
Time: **5:41**
